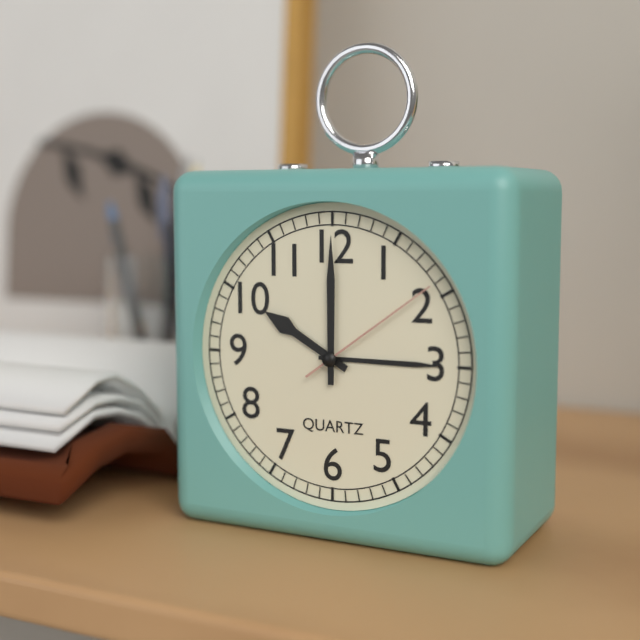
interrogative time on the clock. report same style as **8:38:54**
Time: **10:00:09**
